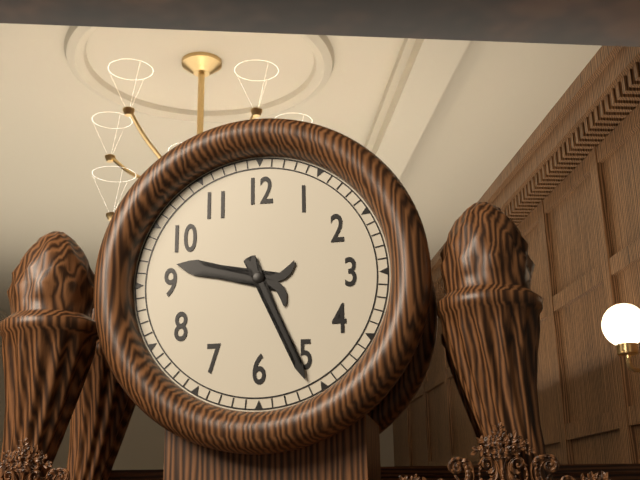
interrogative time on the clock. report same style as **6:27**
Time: **9:26**
